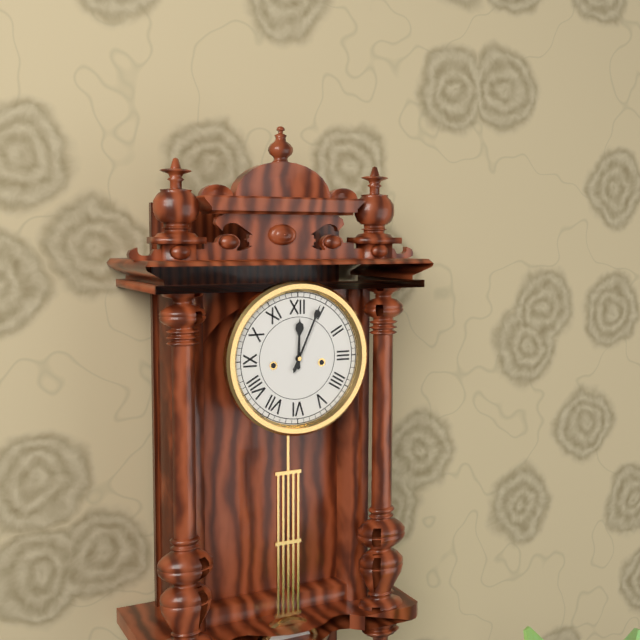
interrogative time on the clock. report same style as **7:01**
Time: **12:04**
